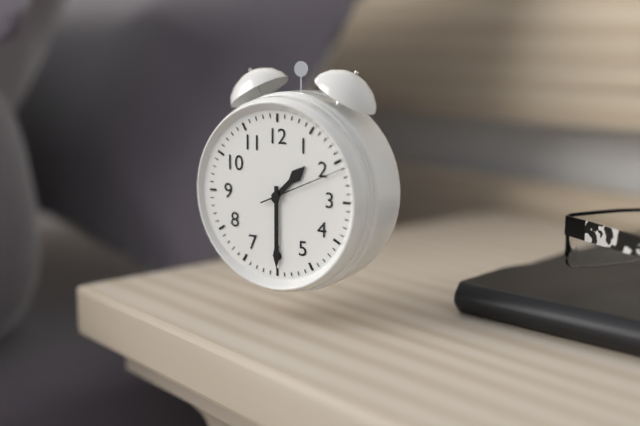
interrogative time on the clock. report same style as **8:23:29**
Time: **1:30:11**
